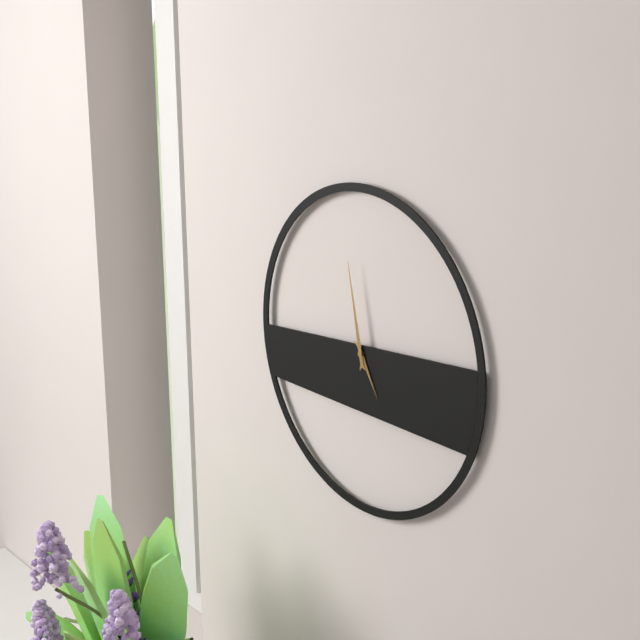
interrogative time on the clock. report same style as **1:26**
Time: **4:58**
